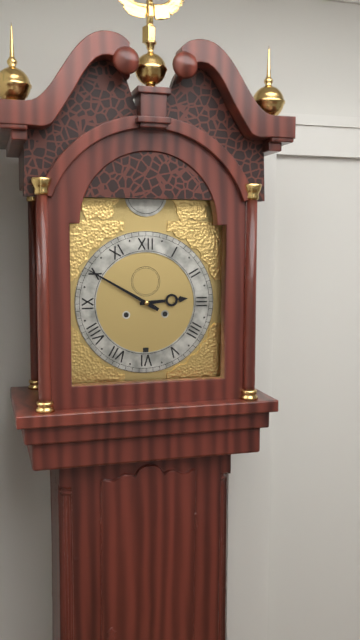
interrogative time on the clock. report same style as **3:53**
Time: **2:50**
